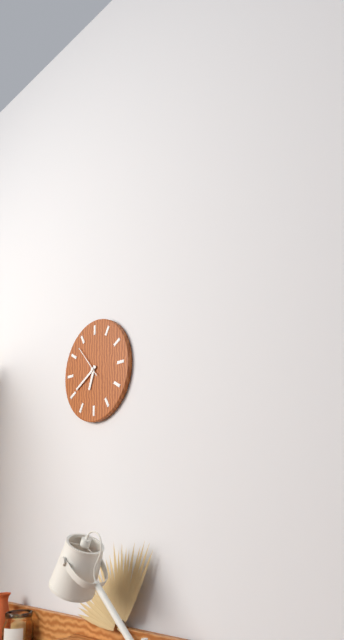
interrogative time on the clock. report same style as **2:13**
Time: **6:40**
